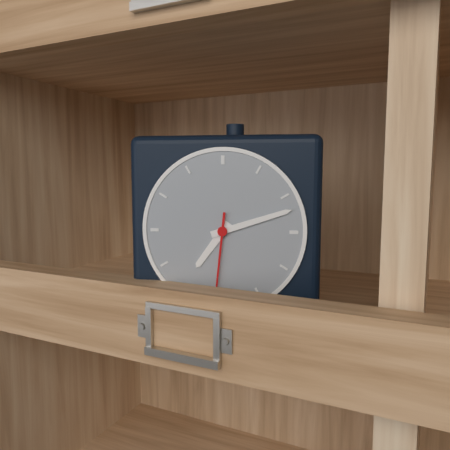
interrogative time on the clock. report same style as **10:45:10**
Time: **7:12:31**
